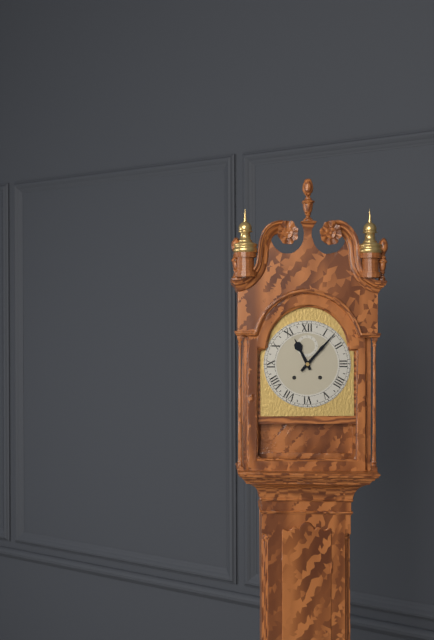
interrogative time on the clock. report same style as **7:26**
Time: **11:07**
